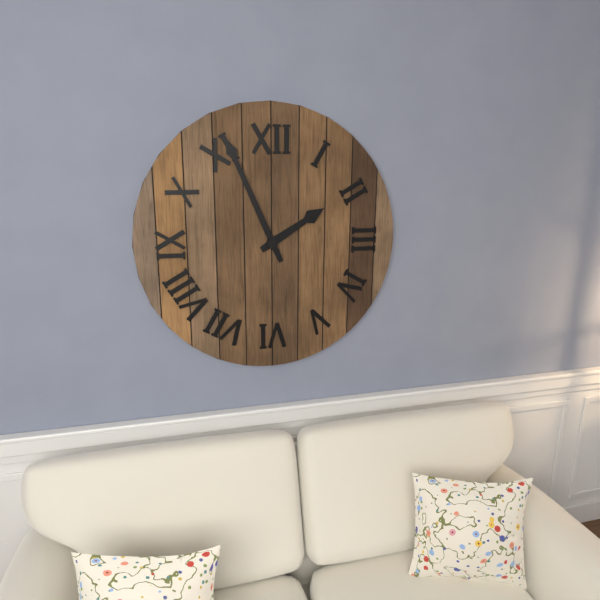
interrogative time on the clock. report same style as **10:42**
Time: **1:56**
